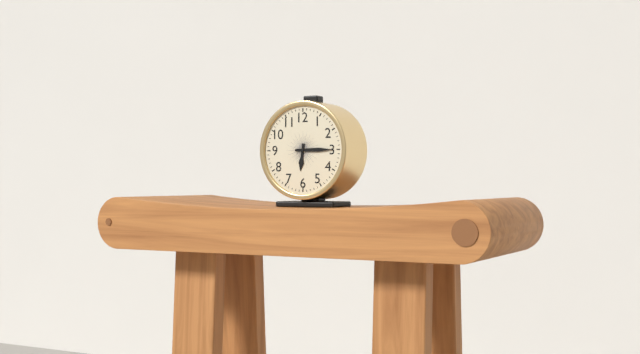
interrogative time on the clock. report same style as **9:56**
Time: **6:15**
